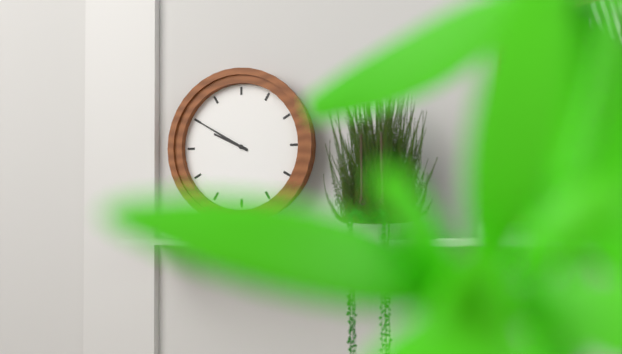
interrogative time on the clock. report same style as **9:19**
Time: **9:50**
